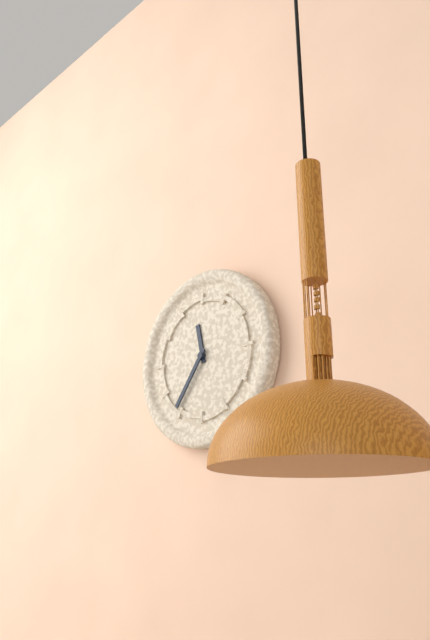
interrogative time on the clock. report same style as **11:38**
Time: **11:36**
